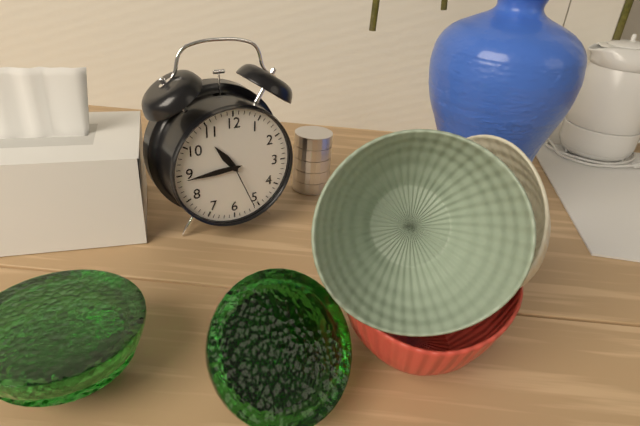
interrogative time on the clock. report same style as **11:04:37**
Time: **10:44:26**
